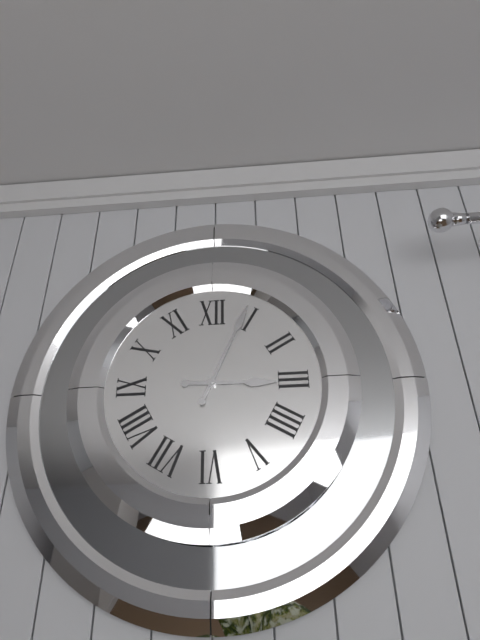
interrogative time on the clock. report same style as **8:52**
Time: **3:04**
